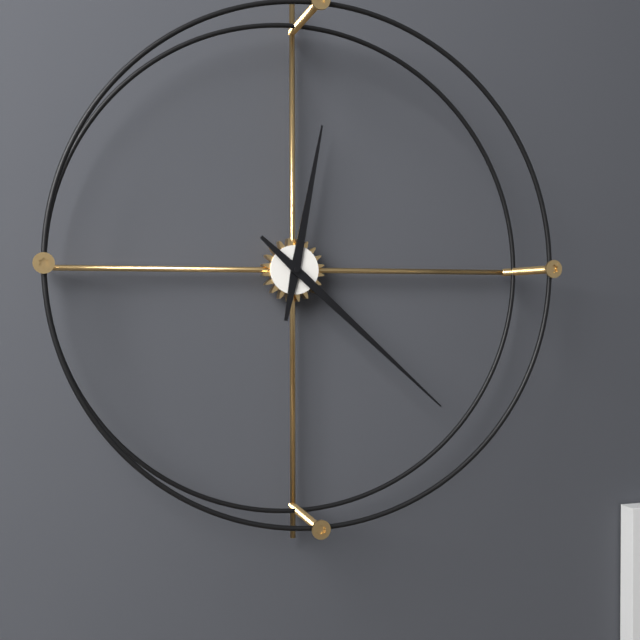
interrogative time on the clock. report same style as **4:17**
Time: **12:22**
